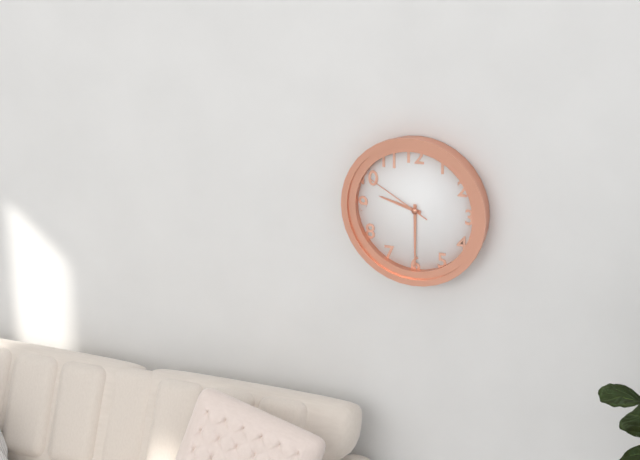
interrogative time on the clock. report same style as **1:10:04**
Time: **9:30:50**
